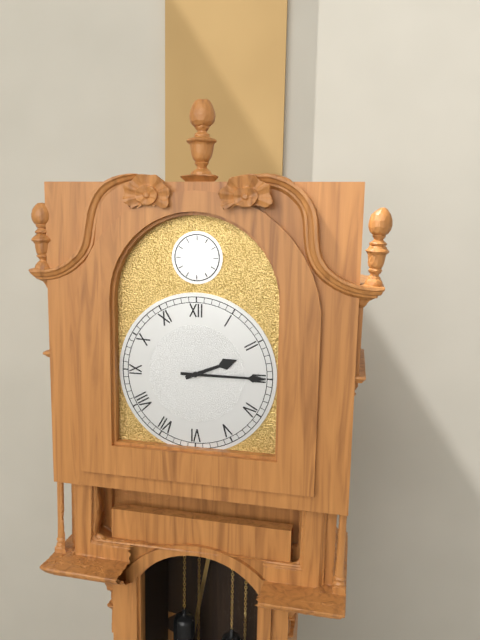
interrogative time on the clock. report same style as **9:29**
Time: **2:15**
